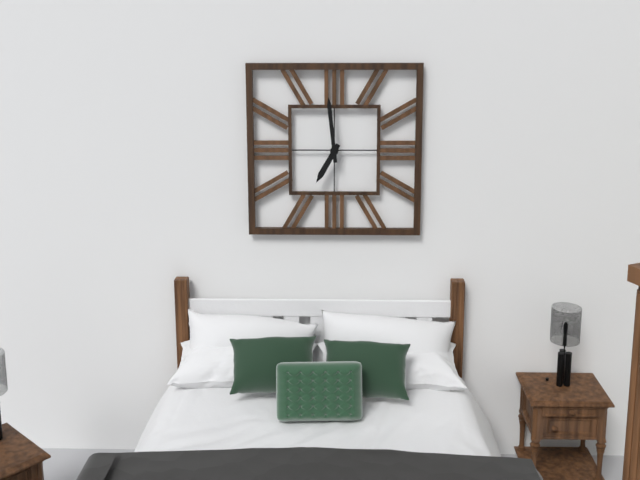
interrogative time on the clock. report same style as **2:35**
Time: **6:59**
